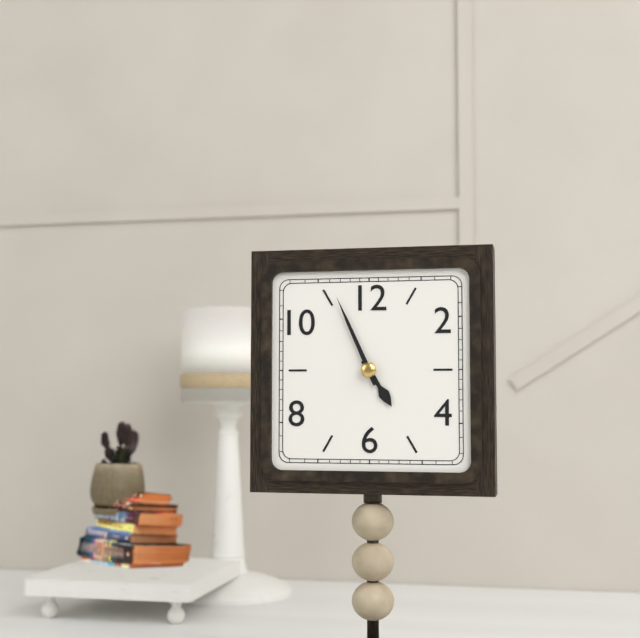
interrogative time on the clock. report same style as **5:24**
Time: **4:56**
